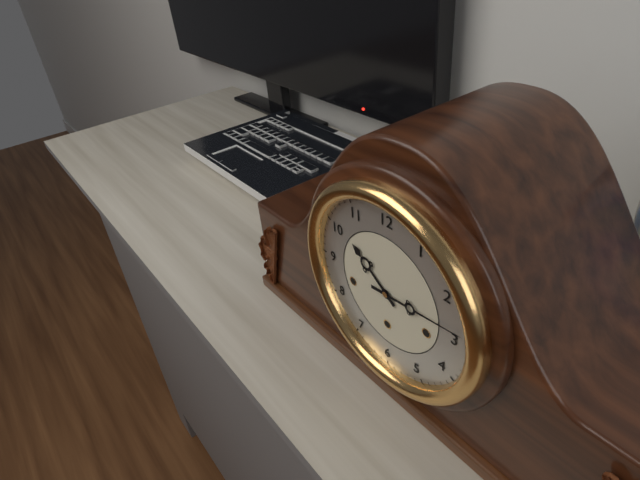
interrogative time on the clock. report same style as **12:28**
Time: **10:14**
